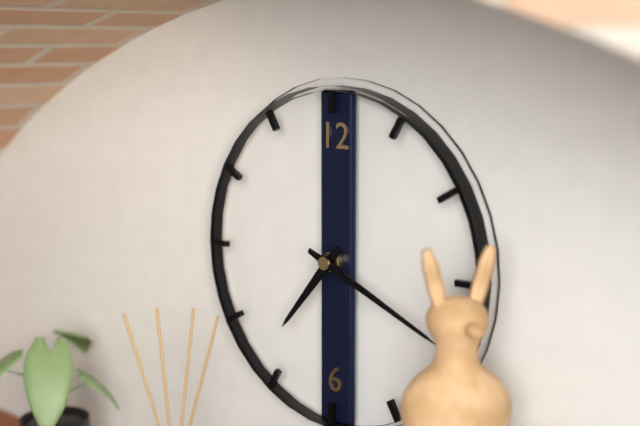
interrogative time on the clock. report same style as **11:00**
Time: **7:19**
